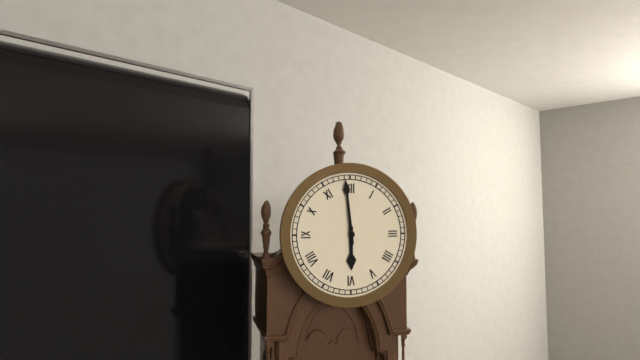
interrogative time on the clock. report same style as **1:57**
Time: **5:59**
